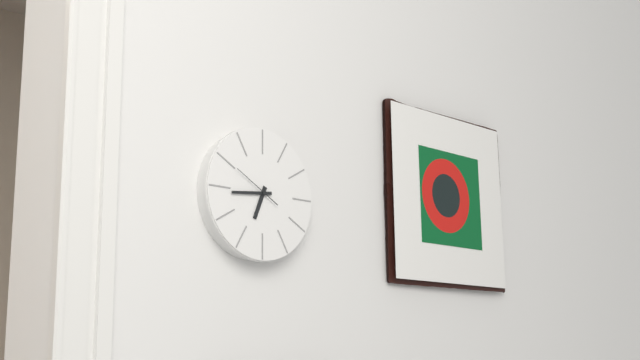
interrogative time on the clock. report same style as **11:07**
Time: **6:44**
